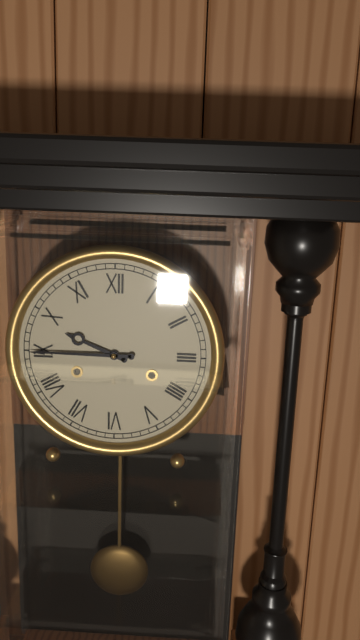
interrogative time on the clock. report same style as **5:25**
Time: **9:45**
